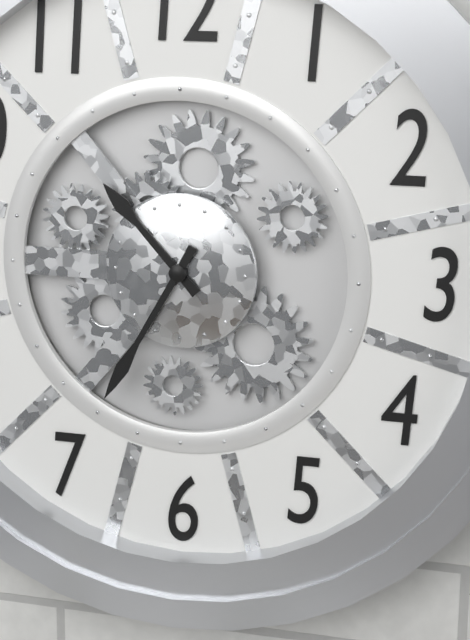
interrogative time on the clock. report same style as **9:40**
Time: **10:35**
